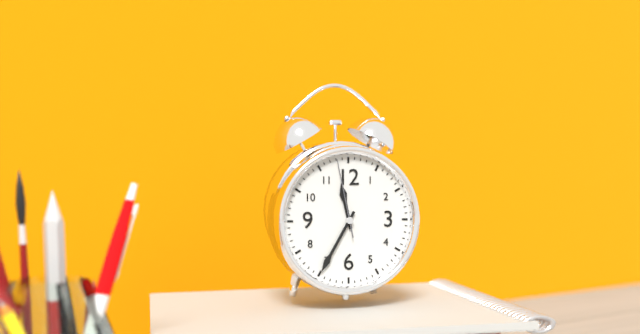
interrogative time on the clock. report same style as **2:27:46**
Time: **11:35:58**
